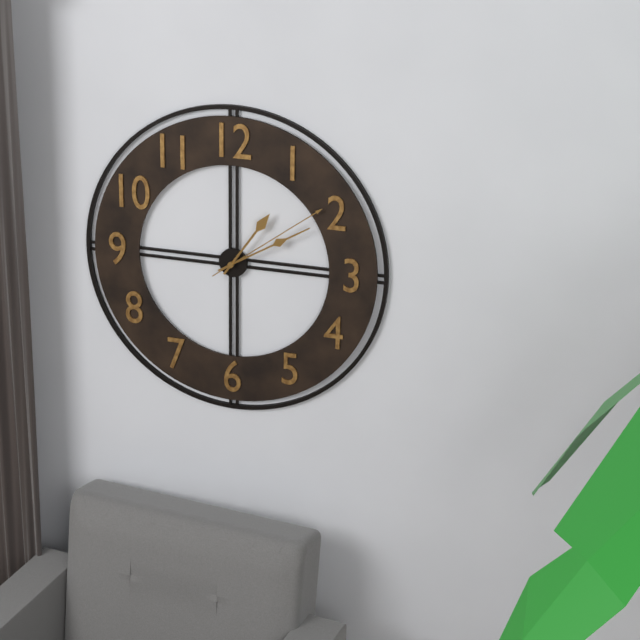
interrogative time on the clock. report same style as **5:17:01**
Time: **1:10:09**
